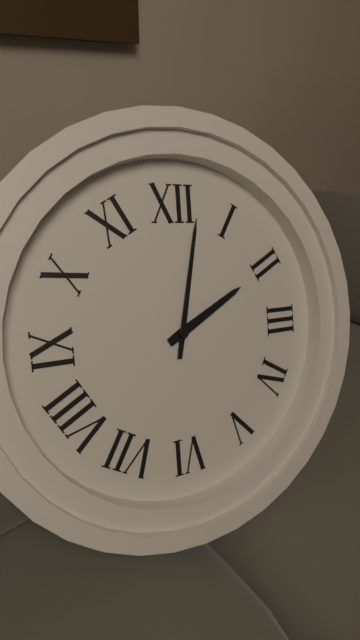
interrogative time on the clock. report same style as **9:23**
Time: **2:02**
